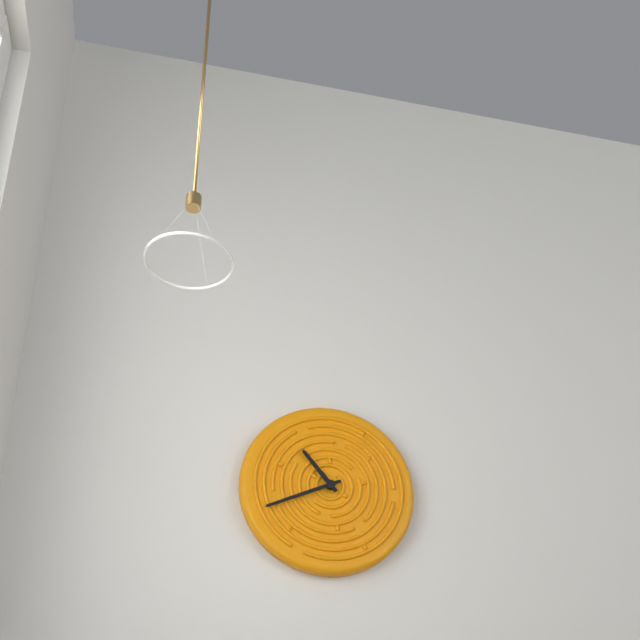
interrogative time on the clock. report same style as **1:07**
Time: **10:41**
